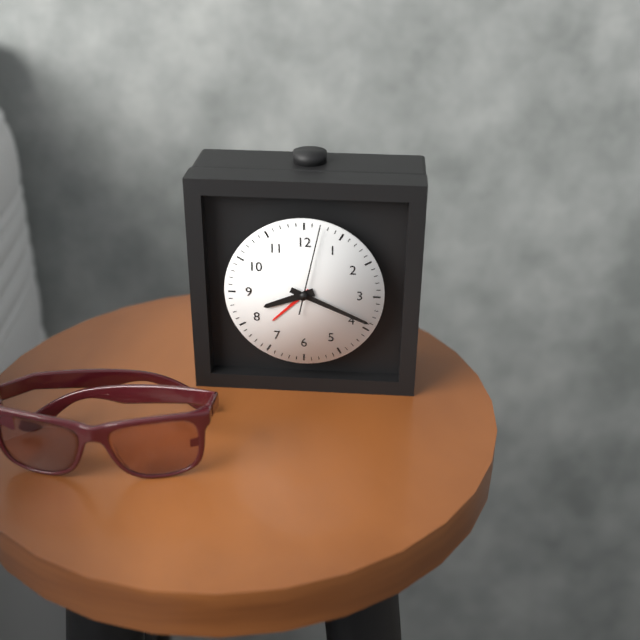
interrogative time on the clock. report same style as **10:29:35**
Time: **8:19:02**
